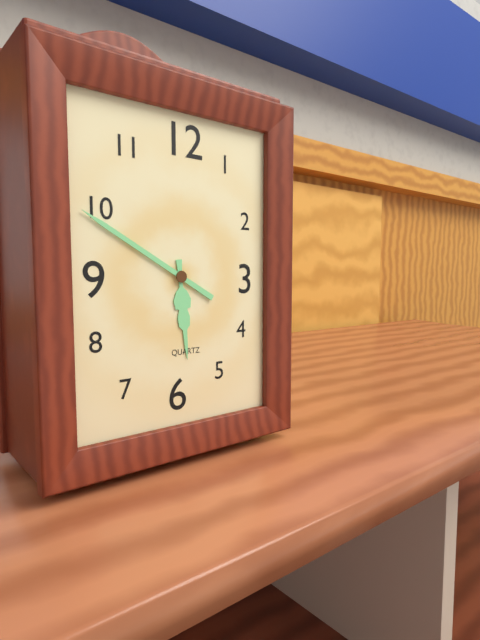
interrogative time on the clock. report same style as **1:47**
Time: **5:50**
